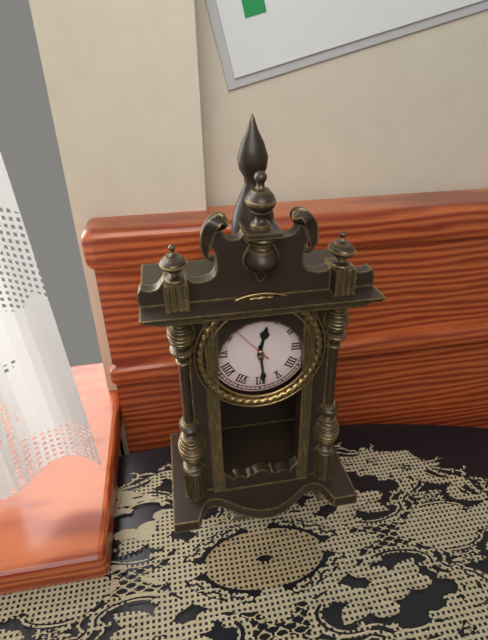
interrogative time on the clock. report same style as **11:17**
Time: **12:29**
